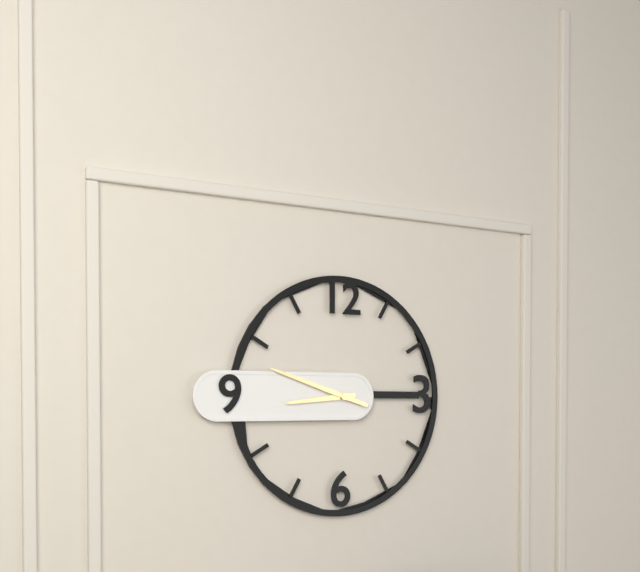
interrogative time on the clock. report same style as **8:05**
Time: **8:48**
